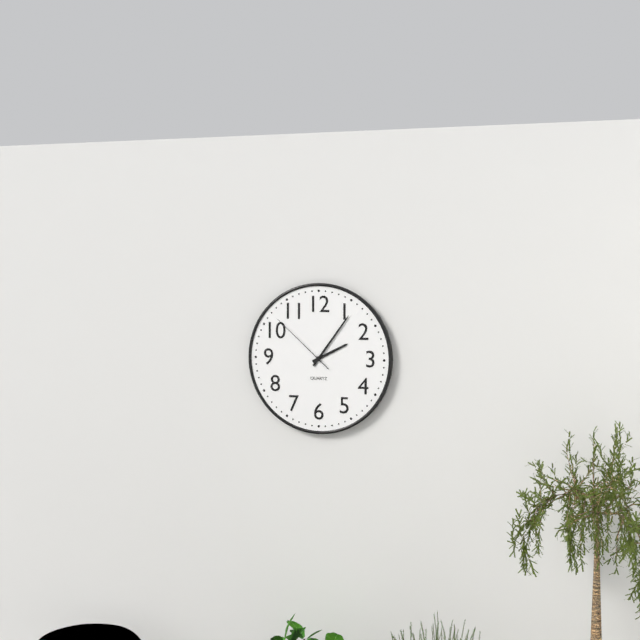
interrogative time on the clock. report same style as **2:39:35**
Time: **2:06:52**
